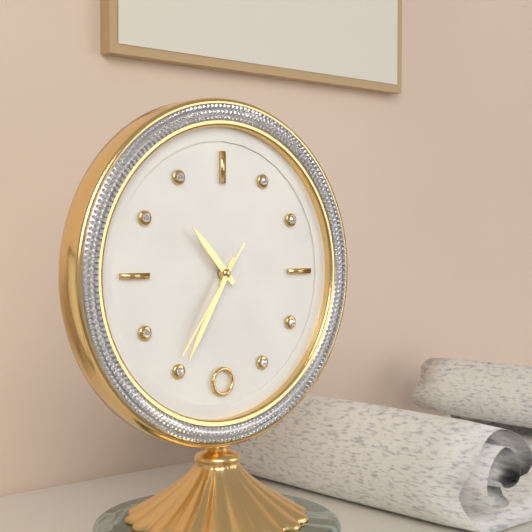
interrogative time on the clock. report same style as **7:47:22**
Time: **10:35:36**
